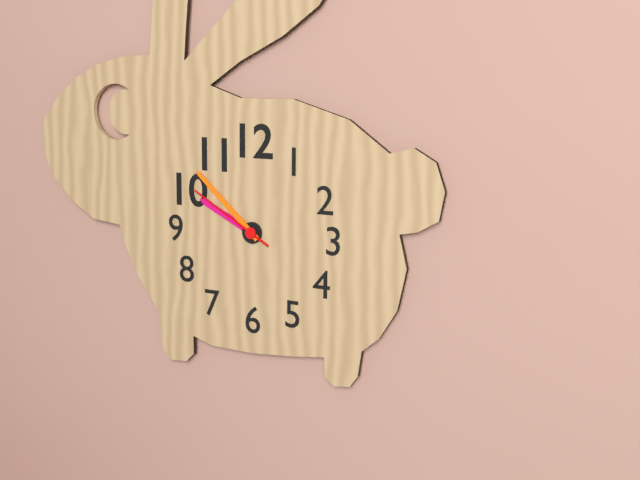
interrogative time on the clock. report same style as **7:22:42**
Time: **9:52:50**
